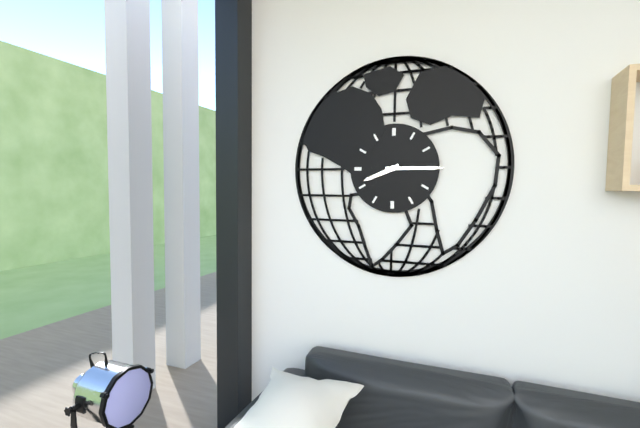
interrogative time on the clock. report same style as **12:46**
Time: **8:15**
